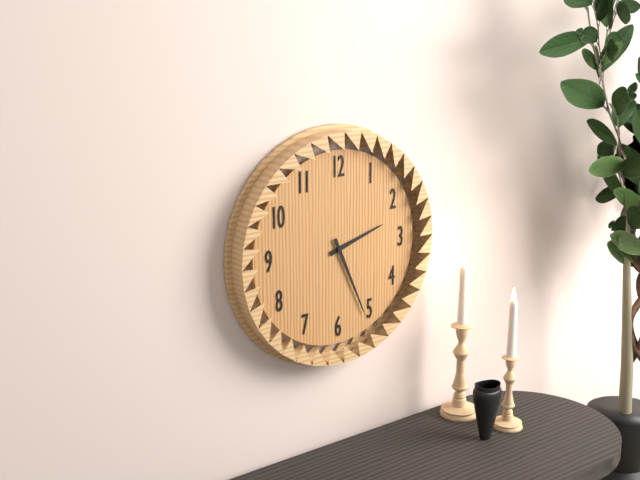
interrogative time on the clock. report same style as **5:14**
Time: **2:26**
